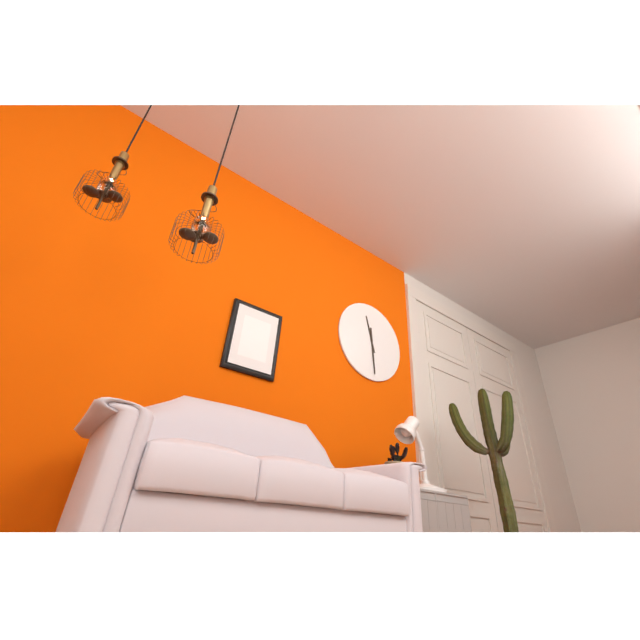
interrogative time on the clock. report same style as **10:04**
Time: **11:29**
